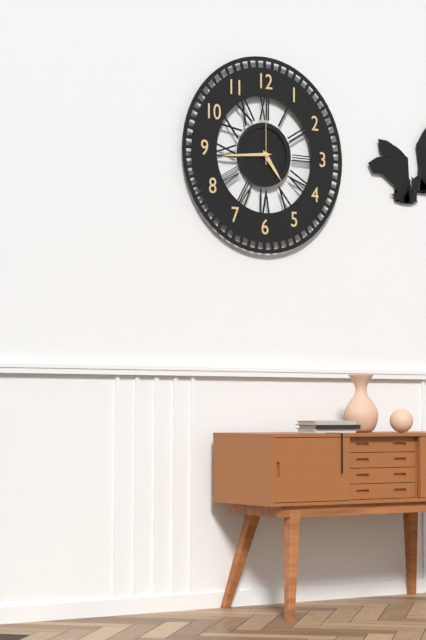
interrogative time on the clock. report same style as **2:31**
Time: **4:44**
